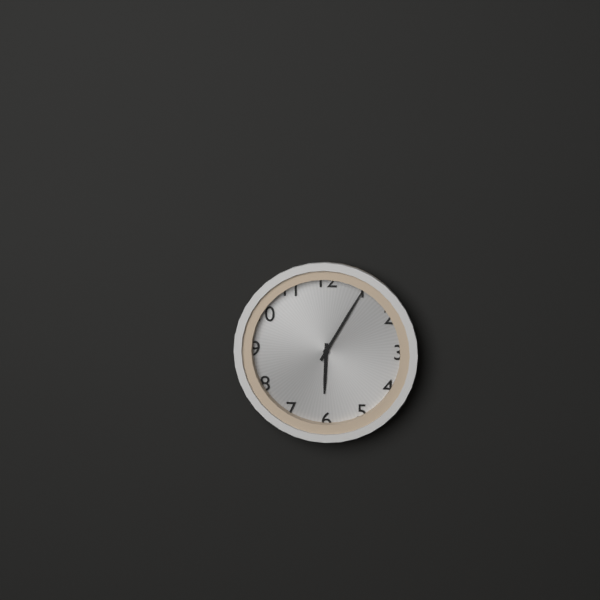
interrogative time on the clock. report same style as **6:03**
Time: **6:05**
